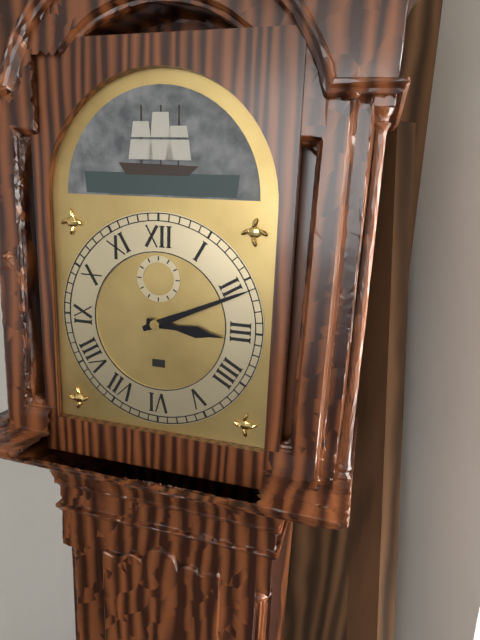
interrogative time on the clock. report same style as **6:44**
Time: **3:11**
